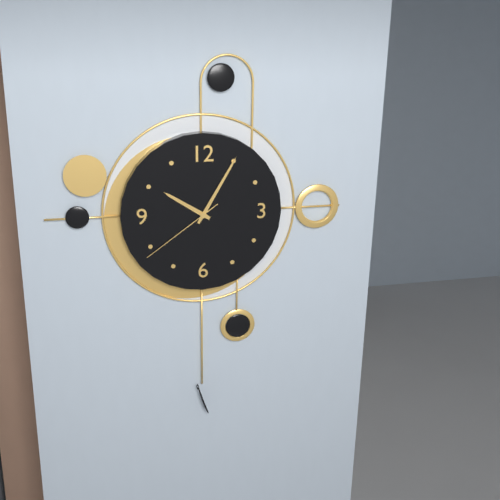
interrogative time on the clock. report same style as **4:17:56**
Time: **10:05:39**
